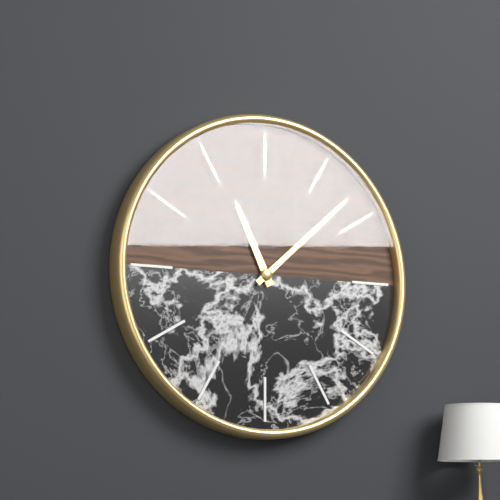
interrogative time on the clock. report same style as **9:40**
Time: **11:08**
